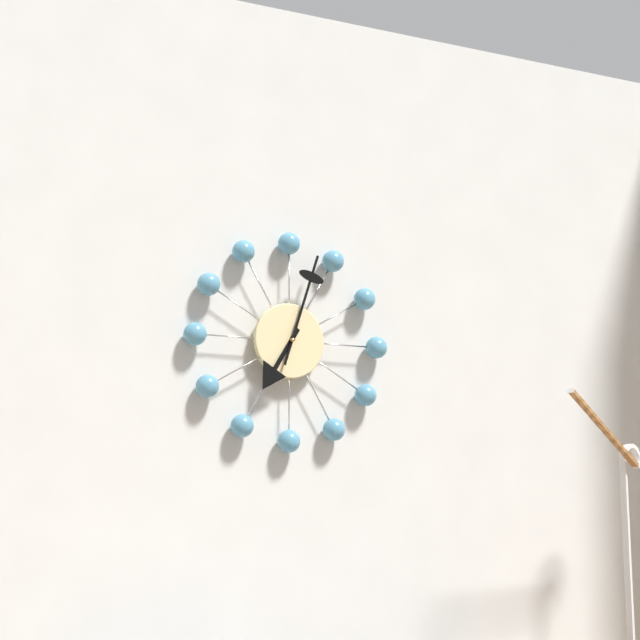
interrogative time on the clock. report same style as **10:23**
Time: **7:03**
